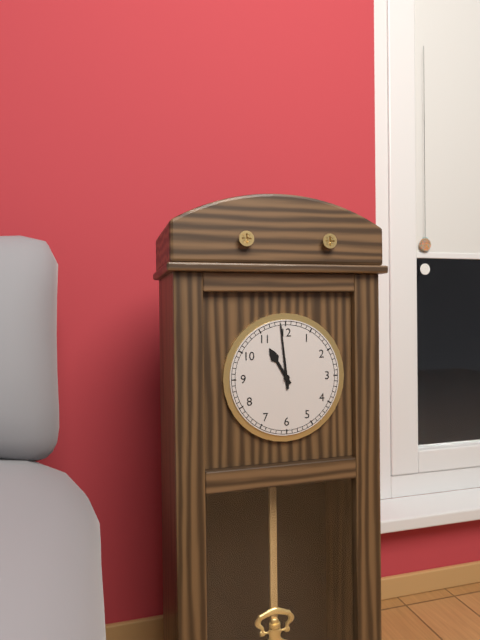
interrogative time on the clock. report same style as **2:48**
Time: **10:59**
